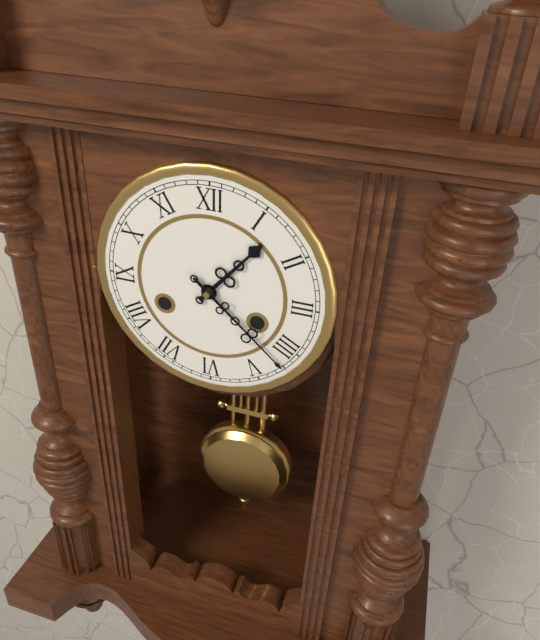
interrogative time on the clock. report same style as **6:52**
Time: **1:22**
